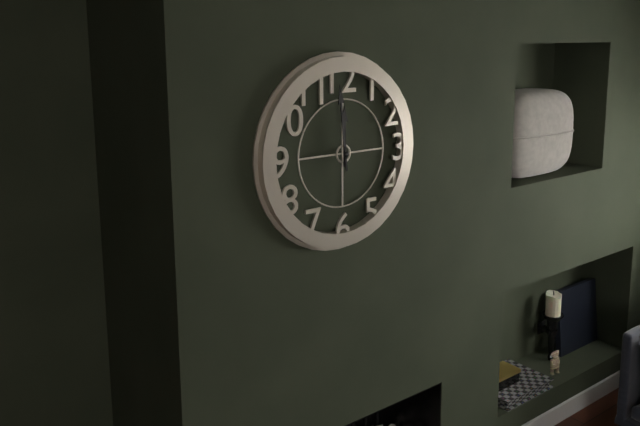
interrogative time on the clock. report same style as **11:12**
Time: **11:59**
